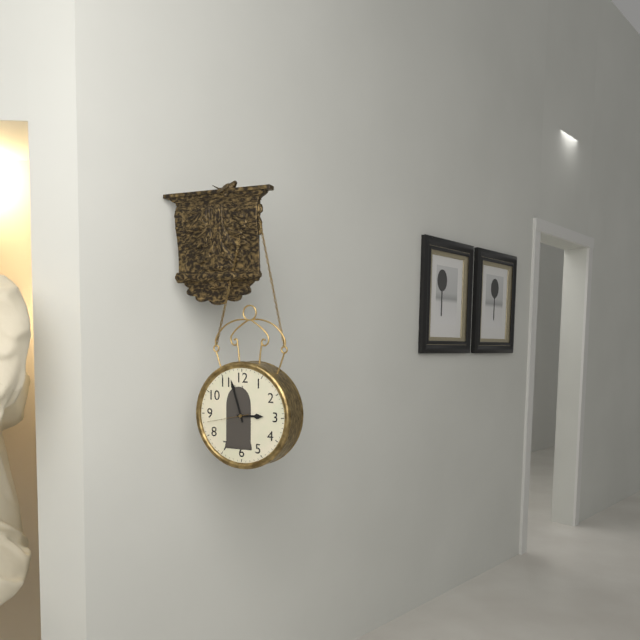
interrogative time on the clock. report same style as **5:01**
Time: **2:57**
